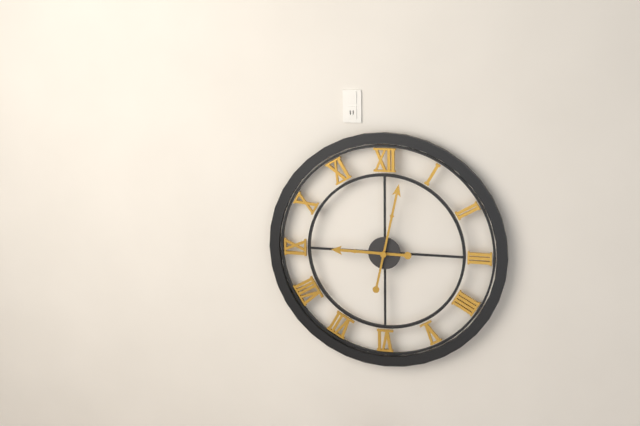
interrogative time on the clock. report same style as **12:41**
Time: **9:02**
